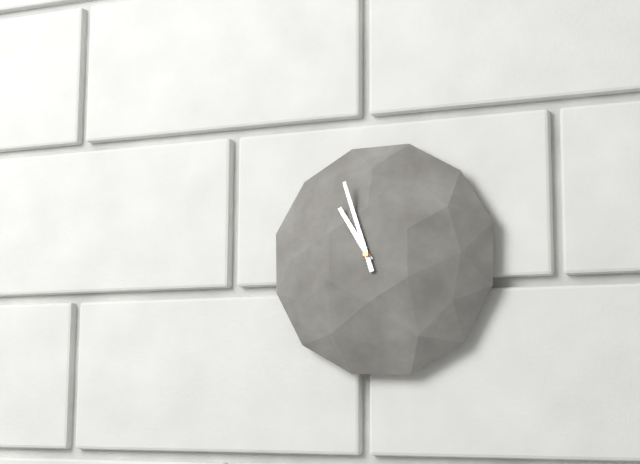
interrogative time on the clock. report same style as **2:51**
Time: **10:57**
